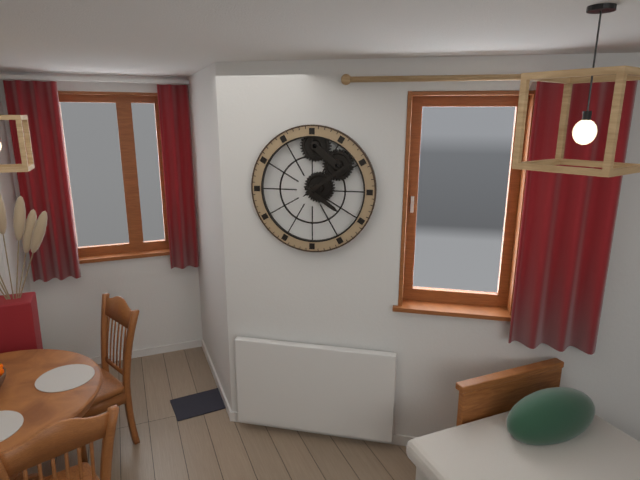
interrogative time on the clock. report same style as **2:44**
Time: **4:09**
